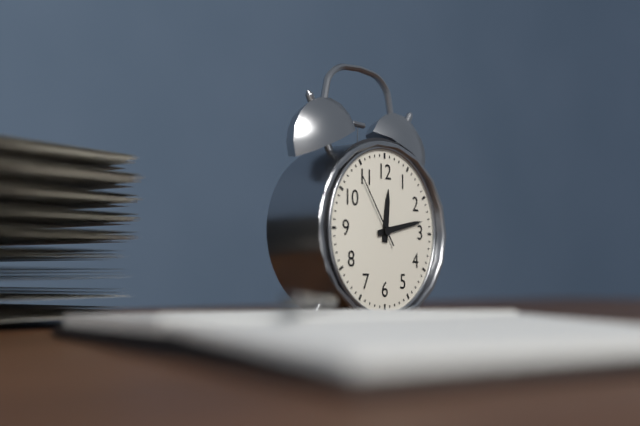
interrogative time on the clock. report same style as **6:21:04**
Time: **12:13:54**
